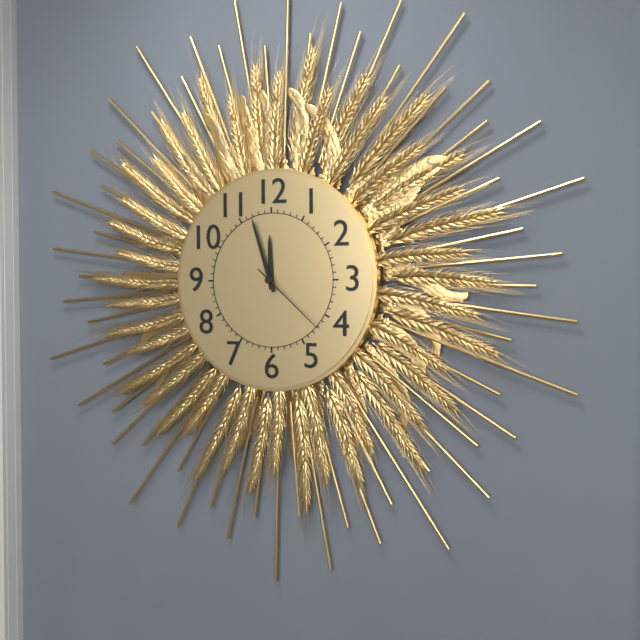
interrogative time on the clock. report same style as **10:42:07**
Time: **11:57:22**
